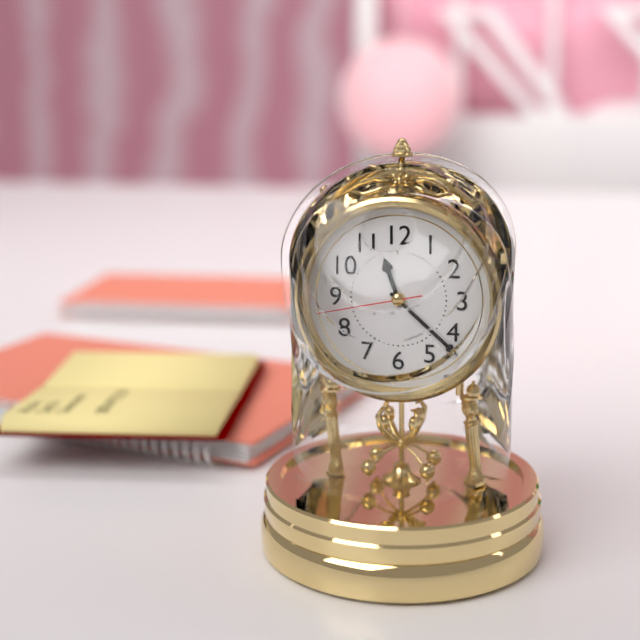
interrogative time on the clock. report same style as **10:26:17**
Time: **11:22:43**
